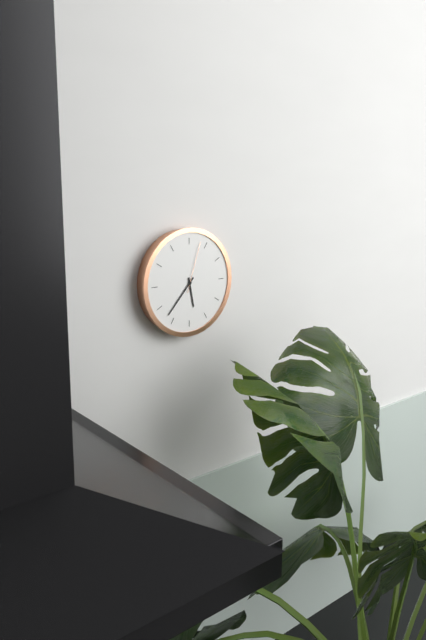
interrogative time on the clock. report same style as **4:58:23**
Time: **5:37:03**
